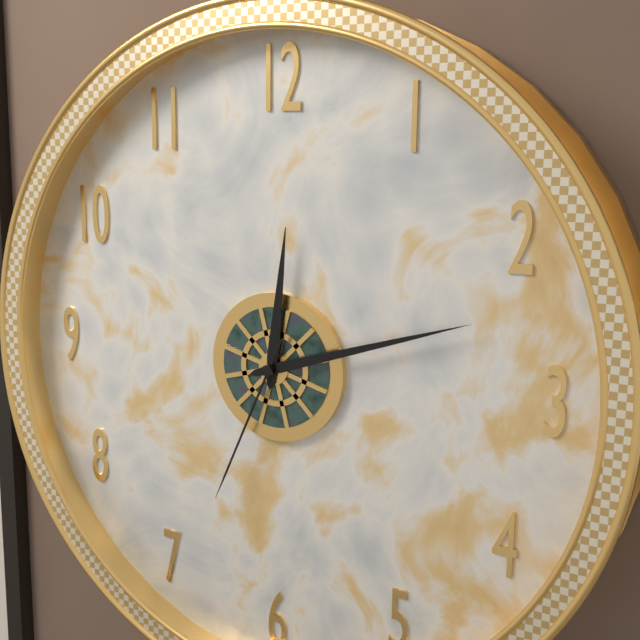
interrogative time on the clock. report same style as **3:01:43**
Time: **12:12:34**
